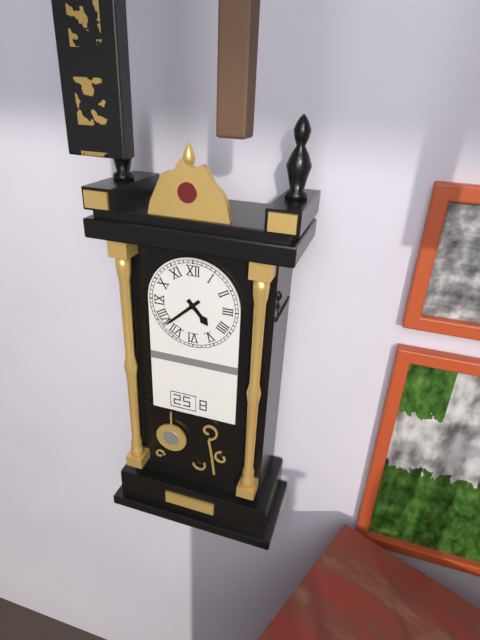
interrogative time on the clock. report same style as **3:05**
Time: **4:38**
